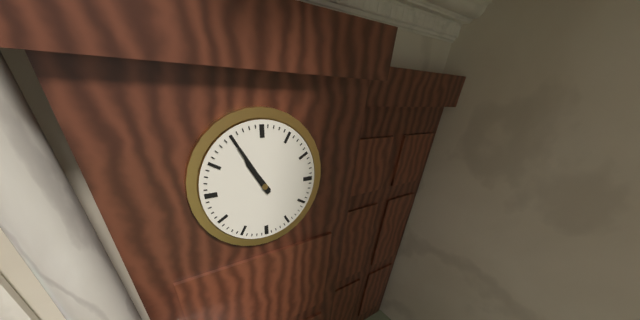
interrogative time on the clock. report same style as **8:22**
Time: **10:55**
